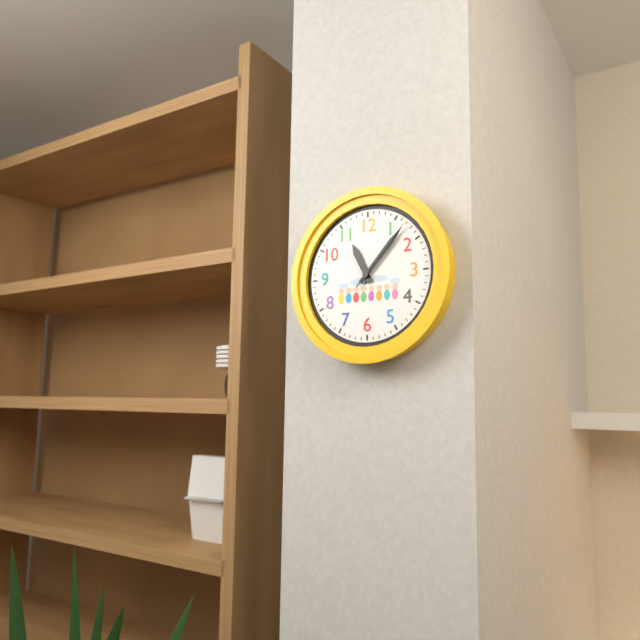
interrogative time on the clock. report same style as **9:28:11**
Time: **11:07:07**
